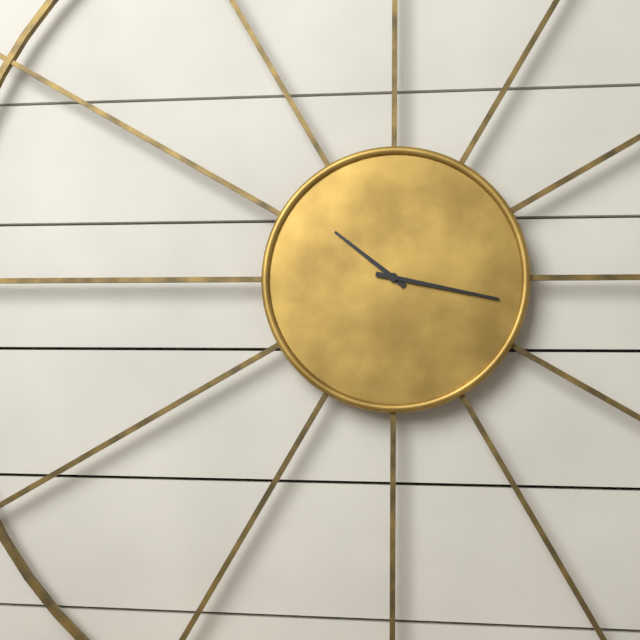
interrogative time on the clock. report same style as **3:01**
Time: **10:17**
